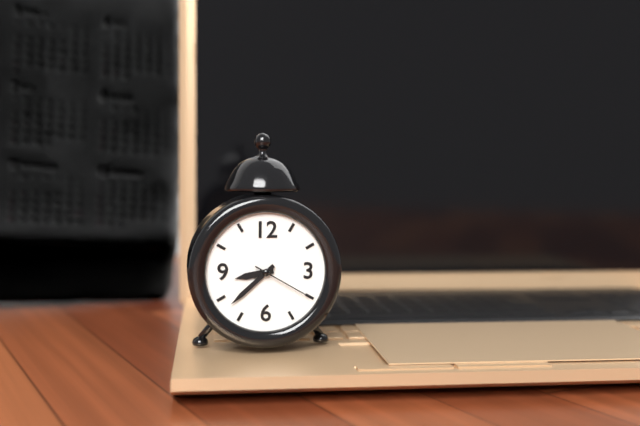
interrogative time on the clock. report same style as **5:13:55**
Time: **8:38:20**
